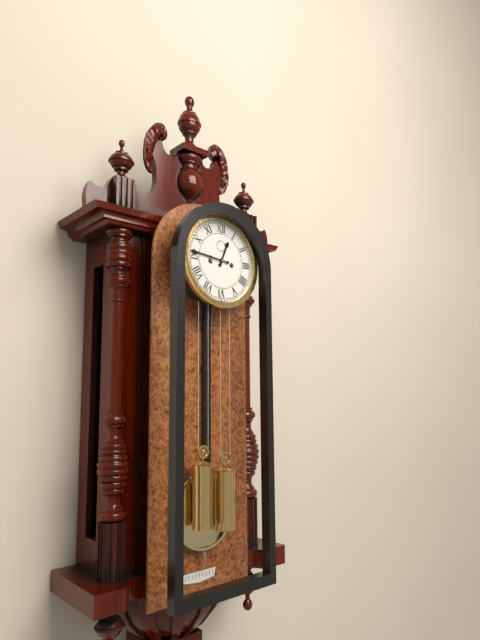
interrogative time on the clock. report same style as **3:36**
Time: **12:46**
